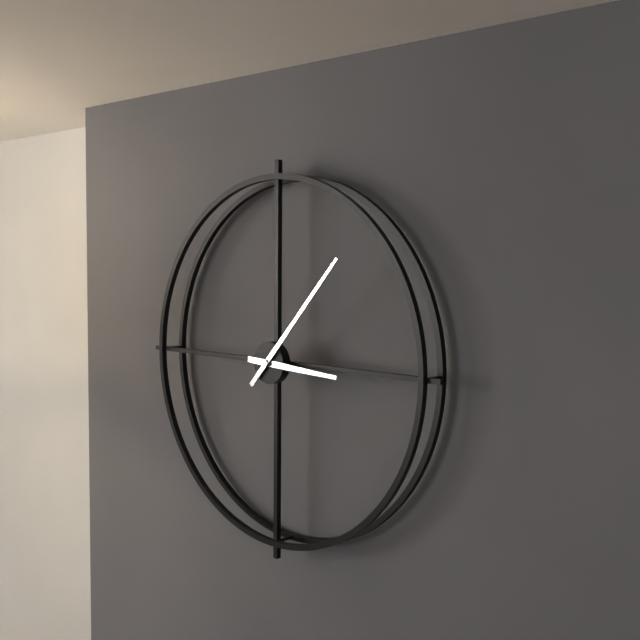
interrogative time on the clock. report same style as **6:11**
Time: **3:07**
